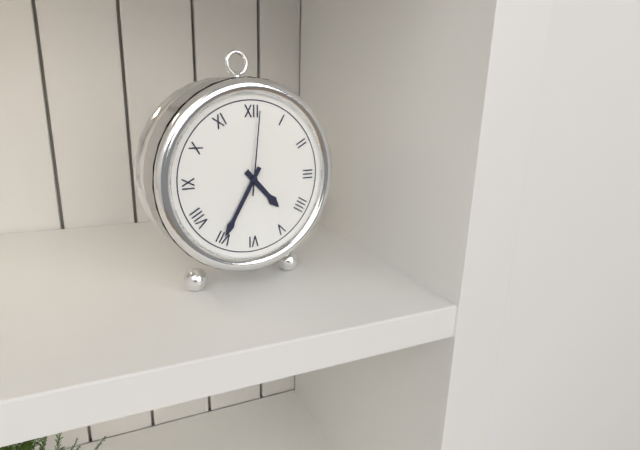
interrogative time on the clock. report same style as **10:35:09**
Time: **4:35:01**
